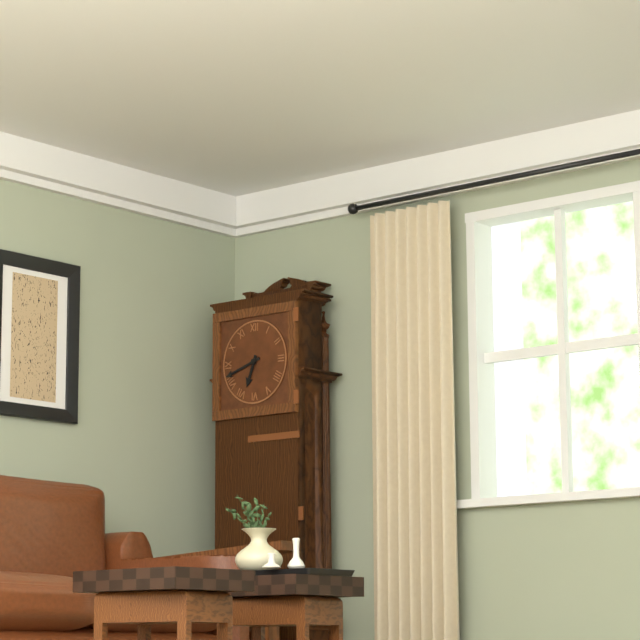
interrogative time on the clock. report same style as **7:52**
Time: **6:42**
